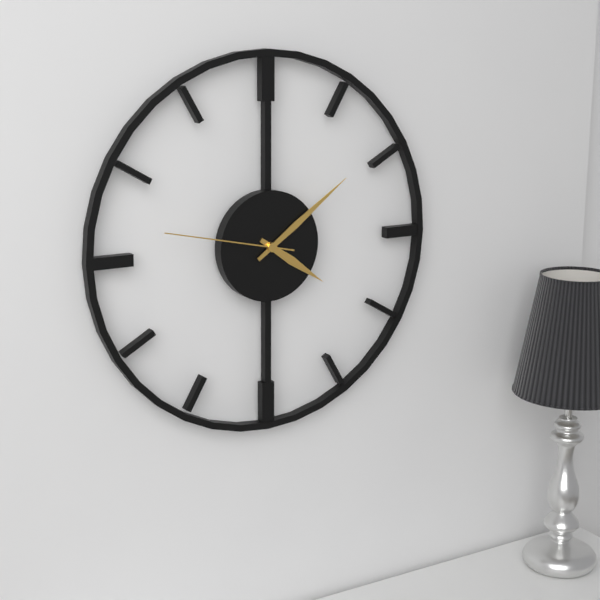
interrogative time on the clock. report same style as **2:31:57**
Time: **4:09:47**
